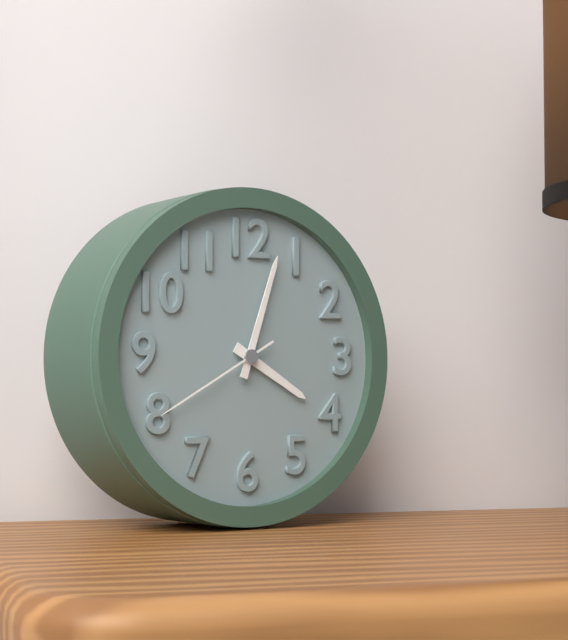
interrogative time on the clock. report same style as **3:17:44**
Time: **4:03:40**
